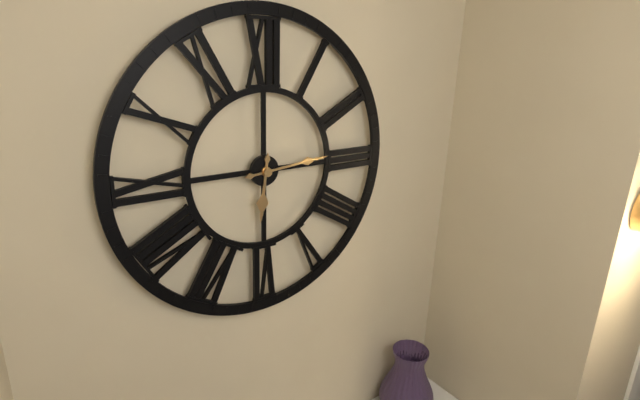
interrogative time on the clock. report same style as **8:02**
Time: **6:14**
